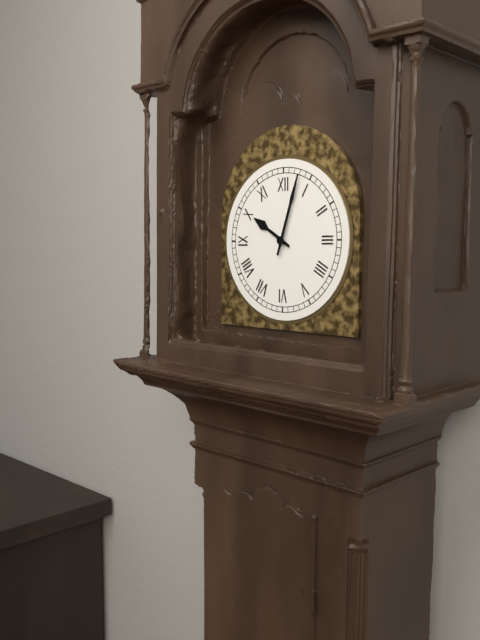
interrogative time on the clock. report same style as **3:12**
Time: **10:03**
